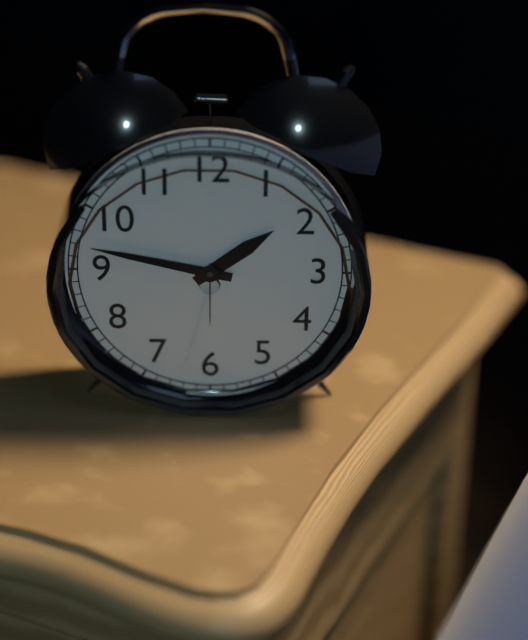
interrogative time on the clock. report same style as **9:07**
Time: **1:47**
